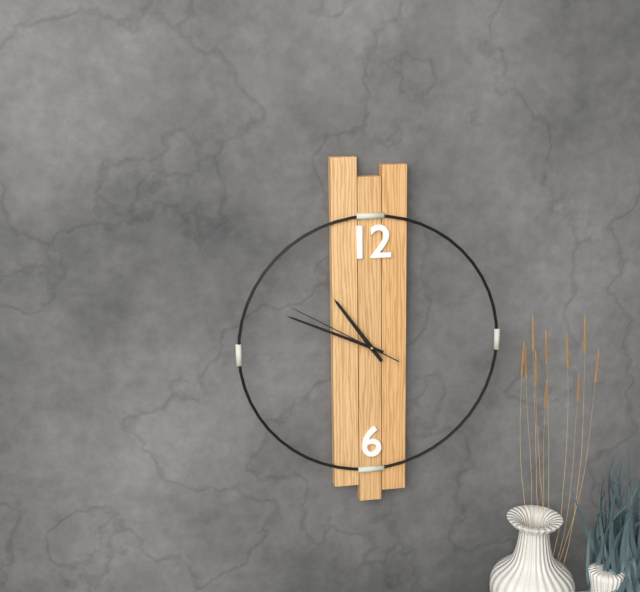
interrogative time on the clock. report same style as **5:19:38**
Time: **10:49:50**
